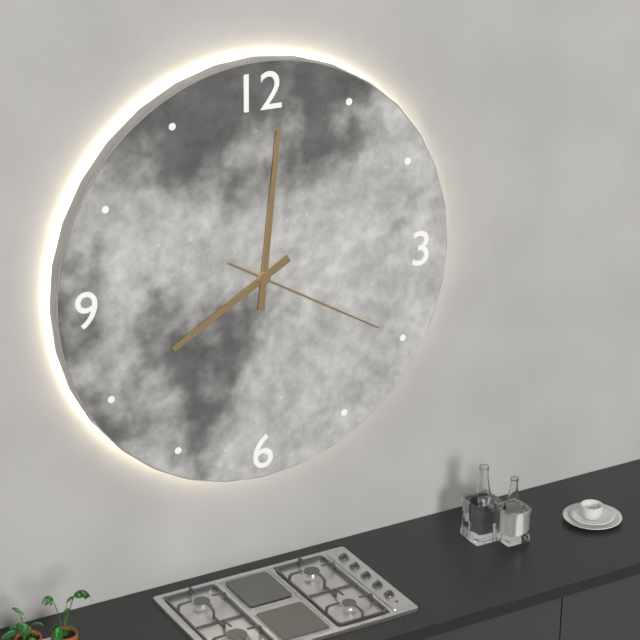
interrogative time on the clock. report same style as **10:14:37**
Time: **8:01:20**
